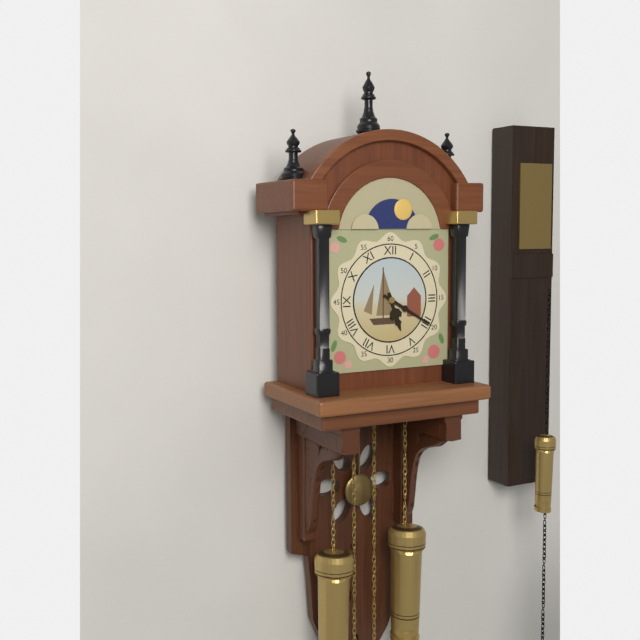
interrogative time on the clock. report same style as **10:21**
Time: **5:20**
